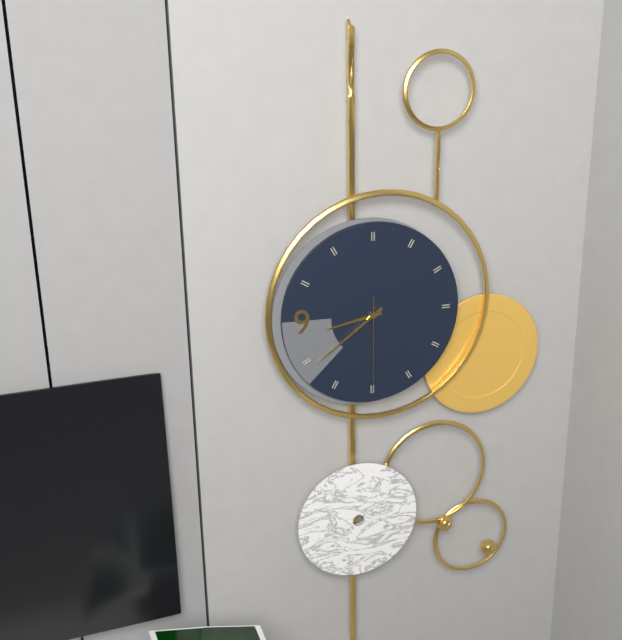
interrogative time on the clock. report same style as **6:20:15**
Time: **8:39:30**
